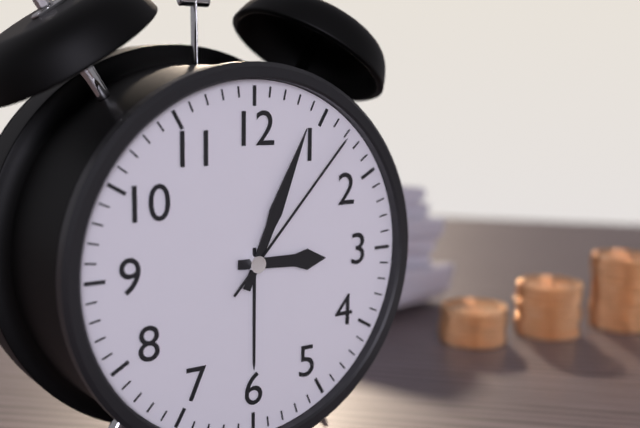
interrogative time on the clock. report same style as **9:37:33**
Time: **3:04:07**
